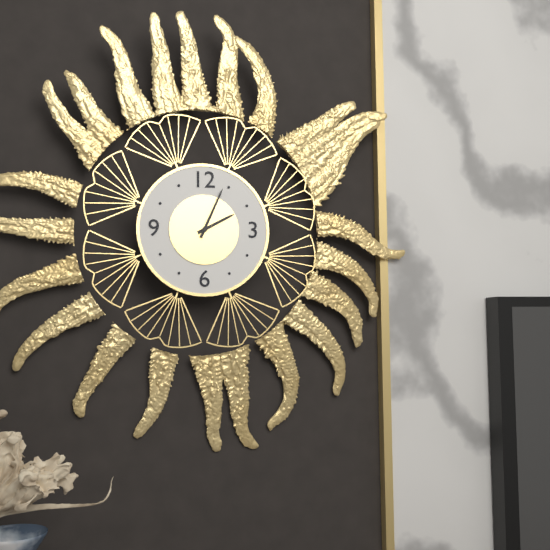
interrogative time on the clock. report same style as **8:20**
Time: **2:04**
